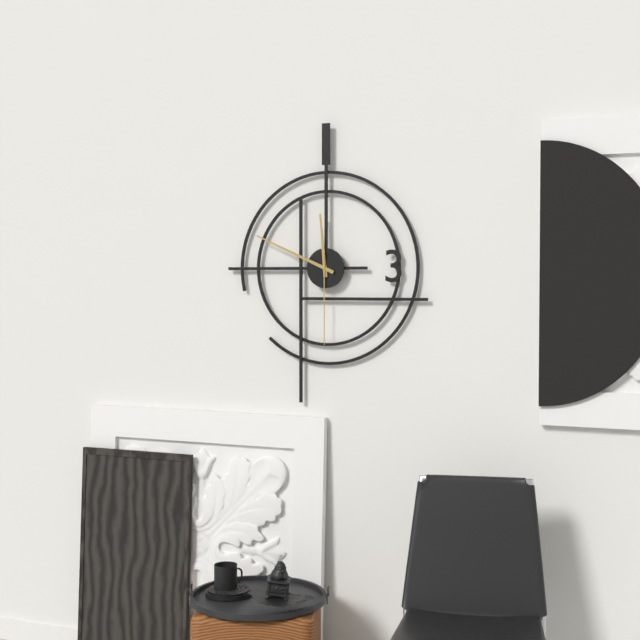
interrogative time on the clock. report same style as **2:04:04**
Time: **11:49:30**
